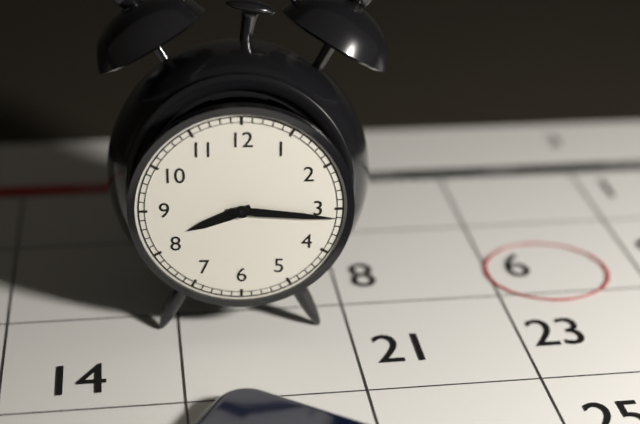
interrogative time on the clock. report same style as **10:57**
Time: **8:16**
